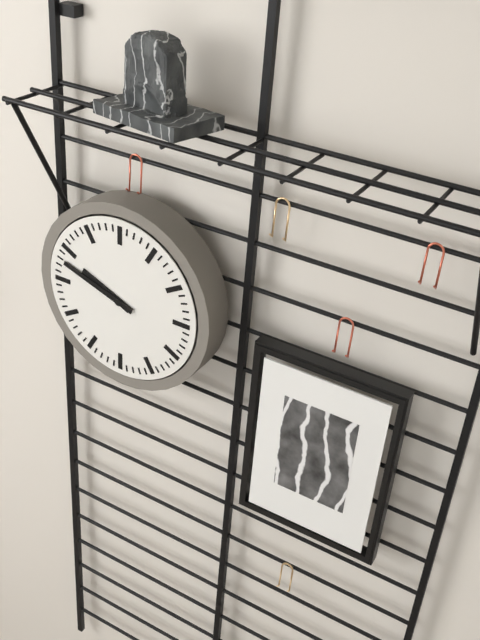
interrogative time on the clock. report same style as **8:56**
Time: **9:48**
